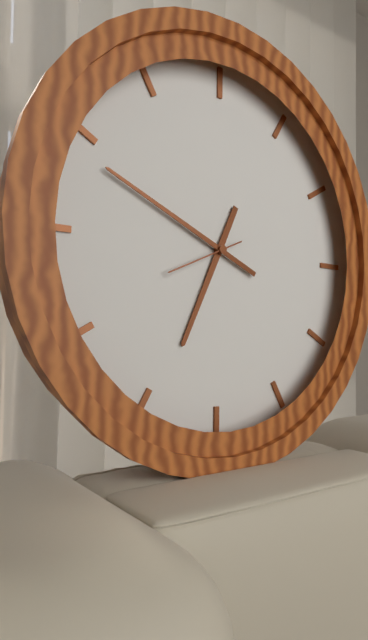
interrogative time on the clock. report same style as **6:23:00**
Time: **6:49:41**
